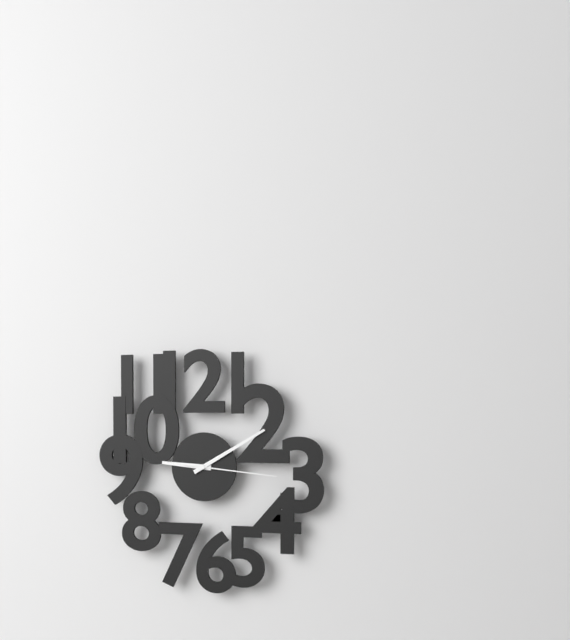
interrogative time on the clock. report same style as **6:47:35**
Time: **9:10:16**
